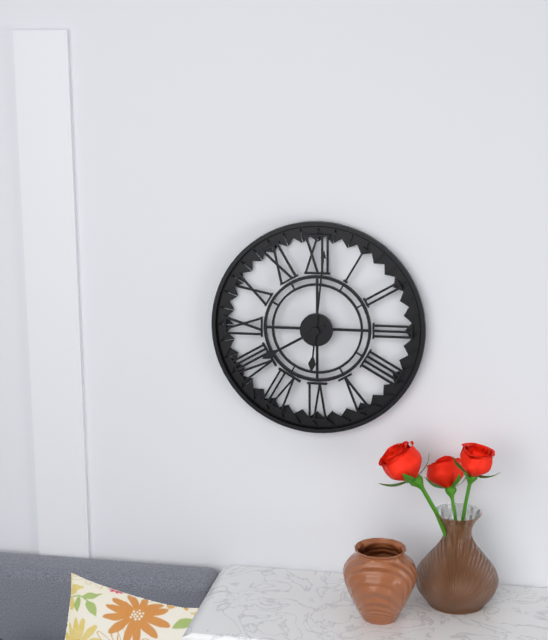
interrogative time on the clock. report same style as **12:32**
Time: **8:01**
